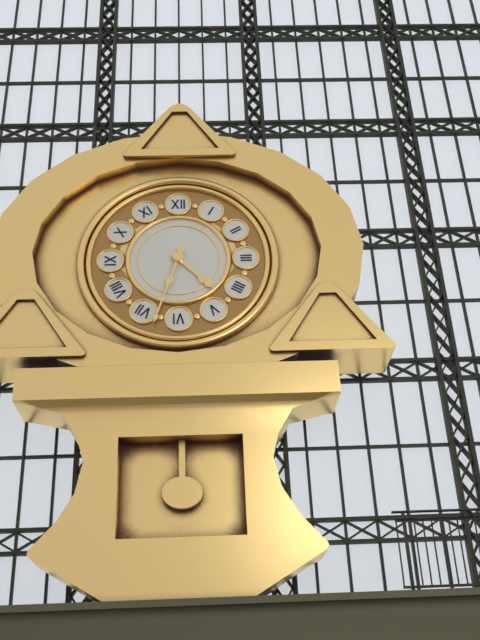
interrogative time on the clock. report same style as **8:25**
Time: **4:33**
